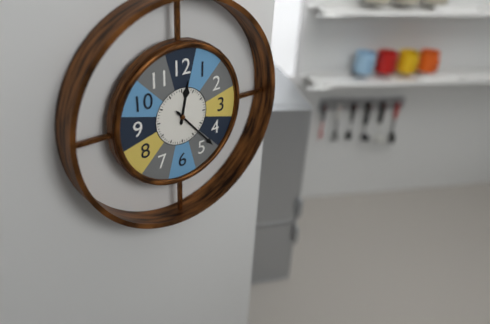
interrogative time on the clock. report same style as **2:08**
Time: **12:23**
